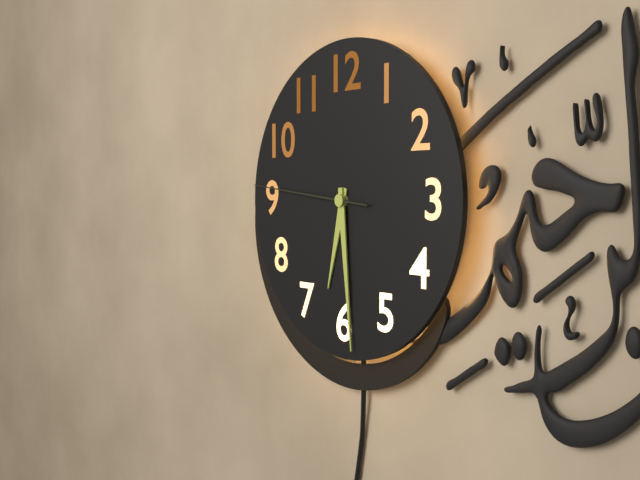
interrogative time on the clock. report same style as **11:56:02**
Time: **6:29:46**
